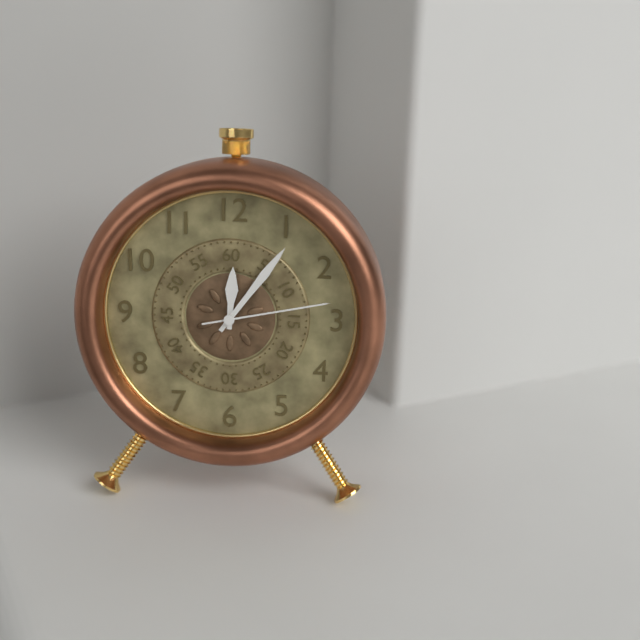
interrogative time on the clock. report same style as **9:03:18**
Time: **12:06:13**
